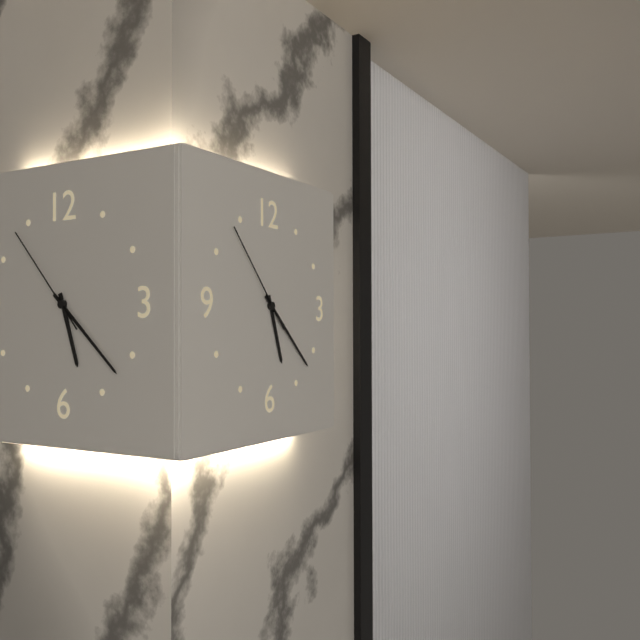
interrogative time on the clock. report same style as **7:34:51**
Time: **5:22:53**
